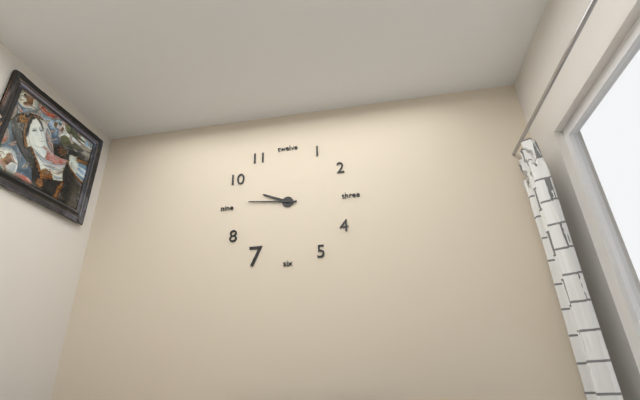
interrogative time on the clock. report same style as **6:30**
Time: **9:46**
